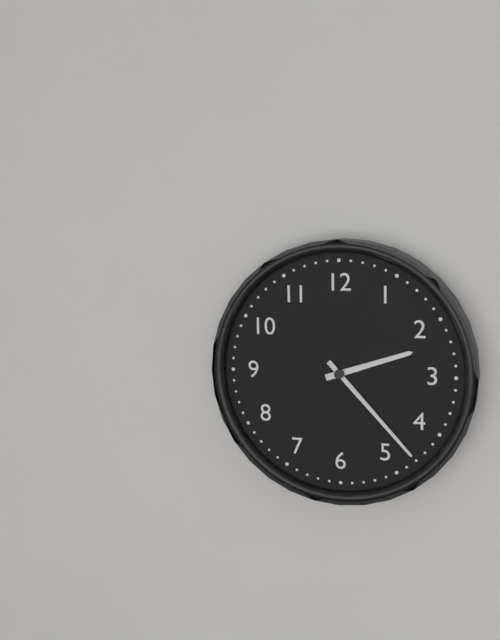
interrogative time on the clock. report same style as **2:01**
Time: **2:23**
